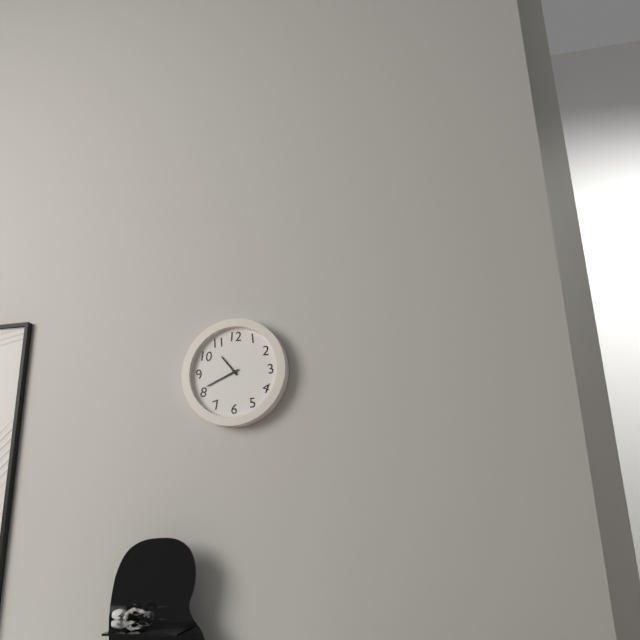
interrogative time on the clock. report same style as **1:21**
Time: **10:41**
